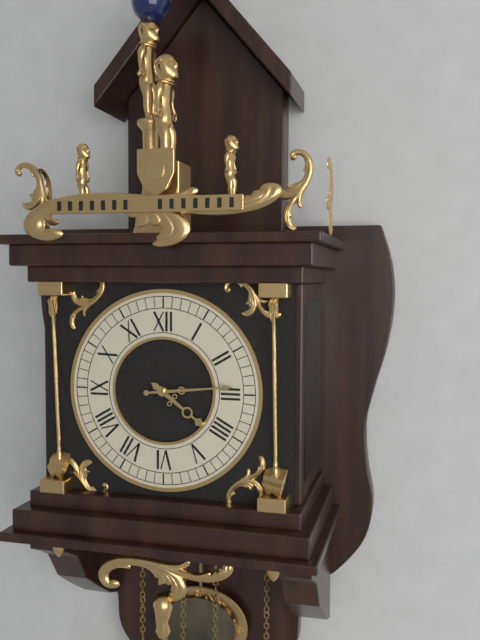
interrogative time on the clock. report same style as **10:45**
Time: **4:14**
